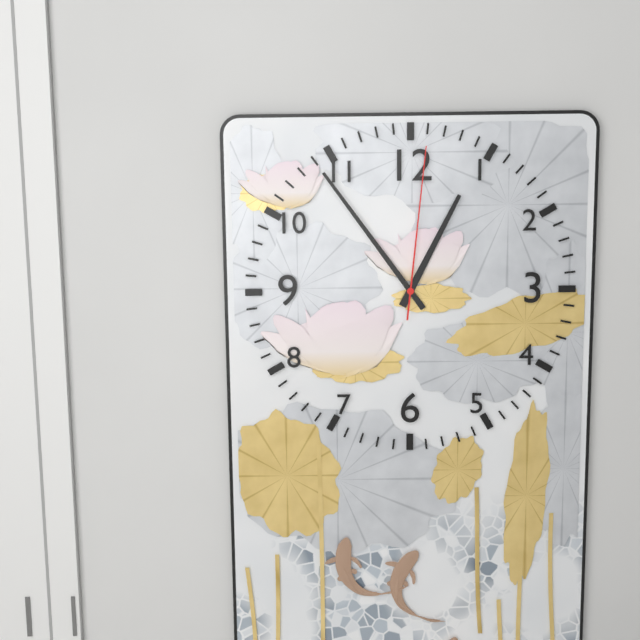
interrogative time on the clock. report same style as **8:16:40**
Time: **12:54:01**
